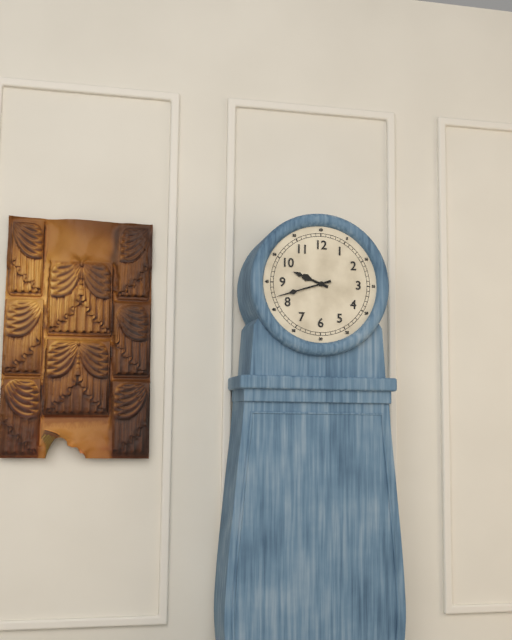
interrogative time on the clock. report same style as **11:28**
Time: **9:42**
